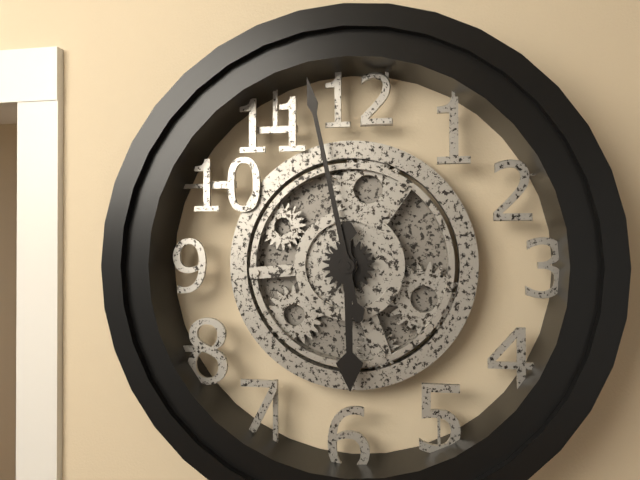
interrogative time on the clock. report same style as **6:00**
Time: **5:58**
